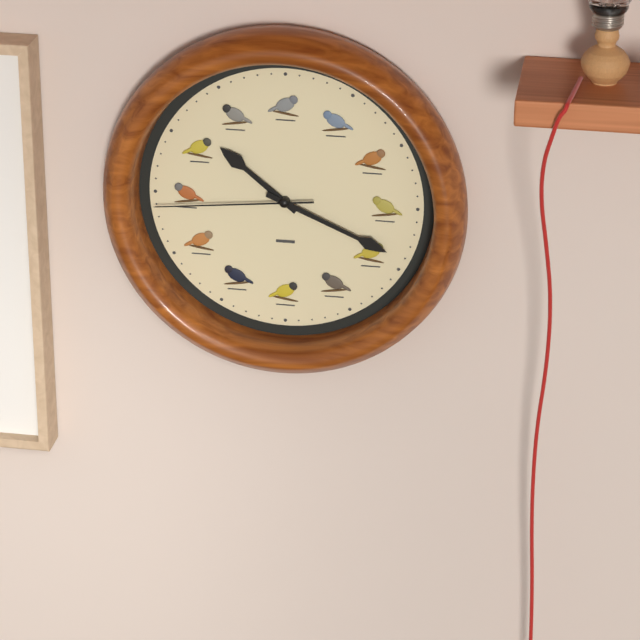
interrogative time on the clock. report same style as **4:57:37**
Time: **10:19:44**
